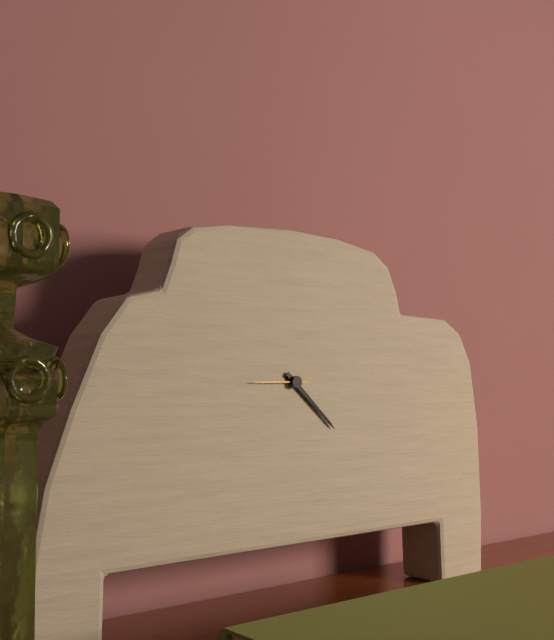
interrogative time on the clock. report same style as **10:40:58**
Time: **4:22:45**
